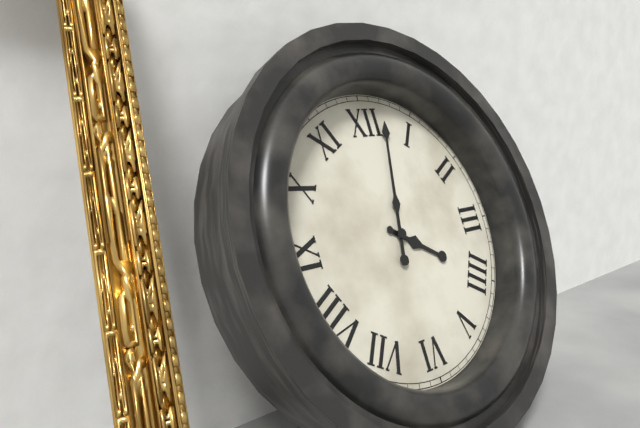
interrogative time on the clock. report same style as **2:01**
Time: **4:02**
